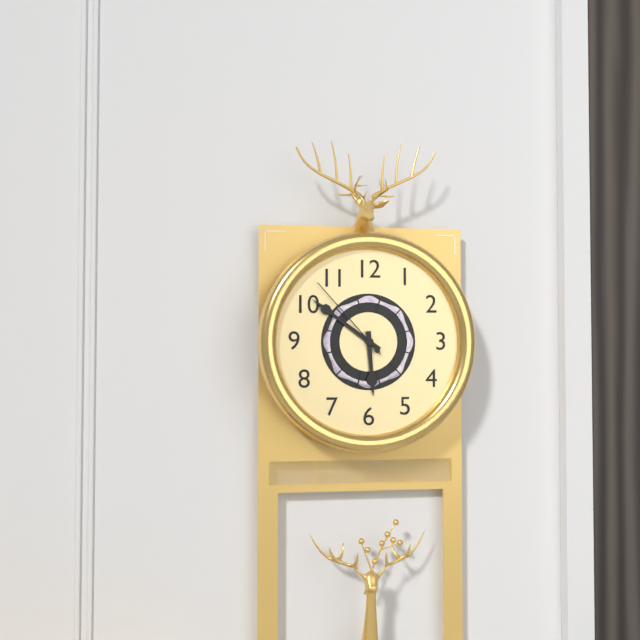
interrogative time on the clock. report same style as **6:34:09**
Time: **5:51:53**
